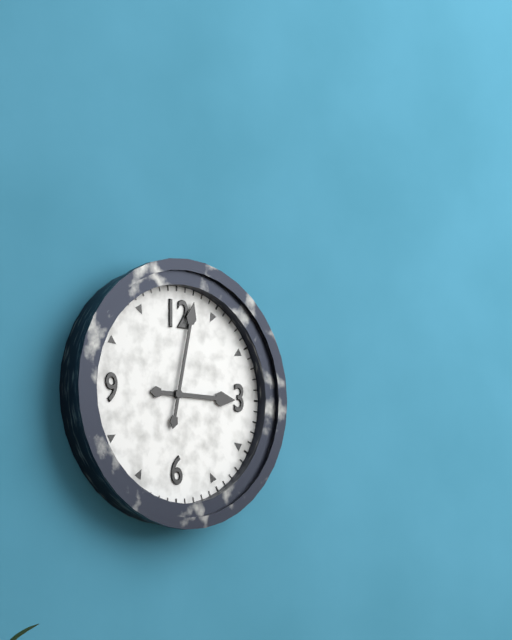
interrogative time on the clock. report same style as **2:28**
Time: **3:02**
